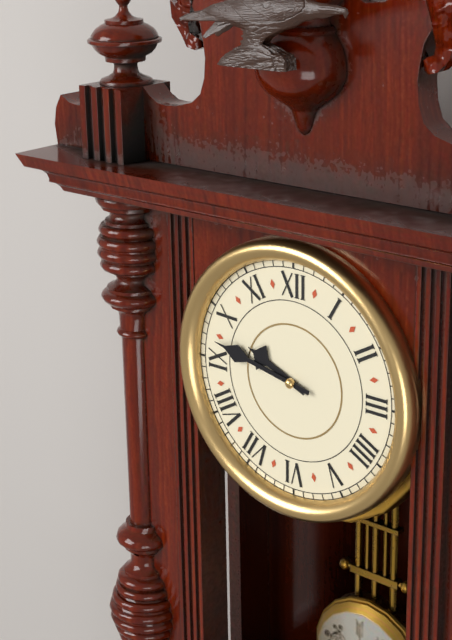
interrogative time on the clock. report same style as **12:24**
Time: **9:47**
